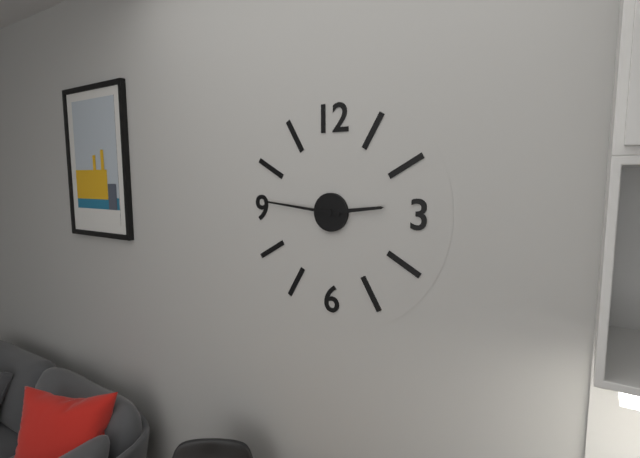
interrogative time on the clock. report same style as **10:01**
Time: **2:46**
